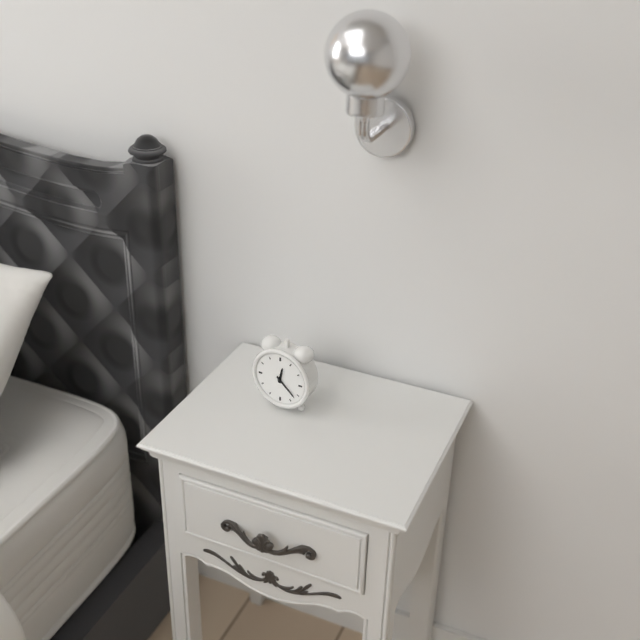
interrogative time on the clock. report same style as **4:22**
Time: **12:22**
